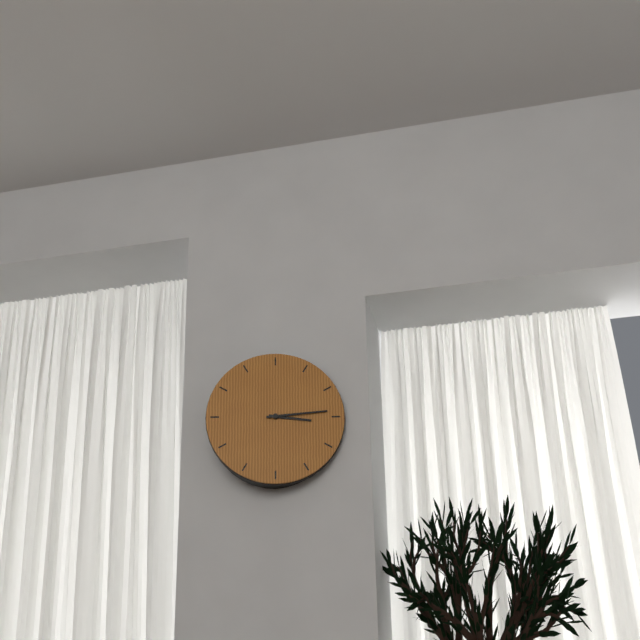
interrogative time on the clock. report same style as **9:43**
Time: **3:14**
